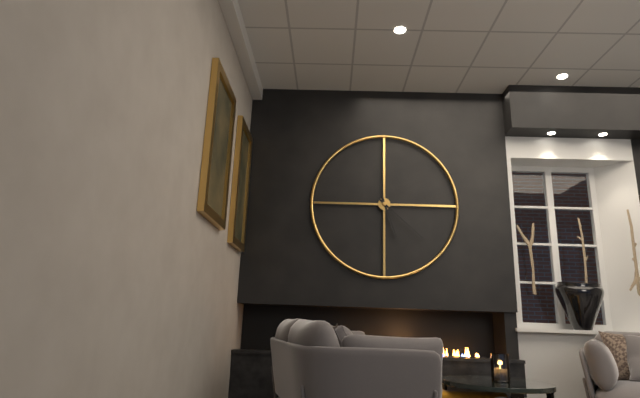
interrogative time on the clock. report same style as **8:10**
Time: **5:22**
